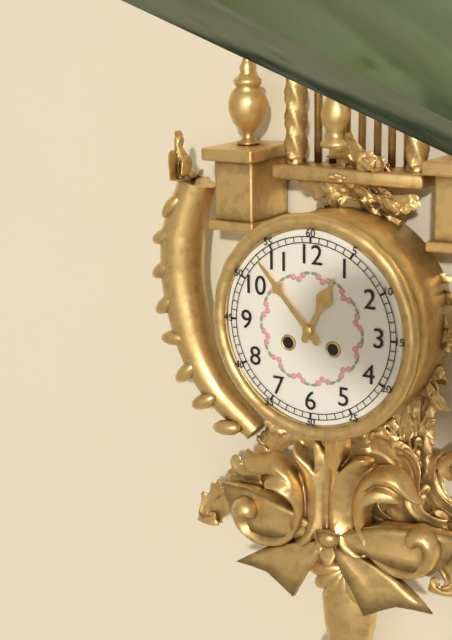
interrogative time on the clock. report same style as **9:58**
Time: **12:53**
